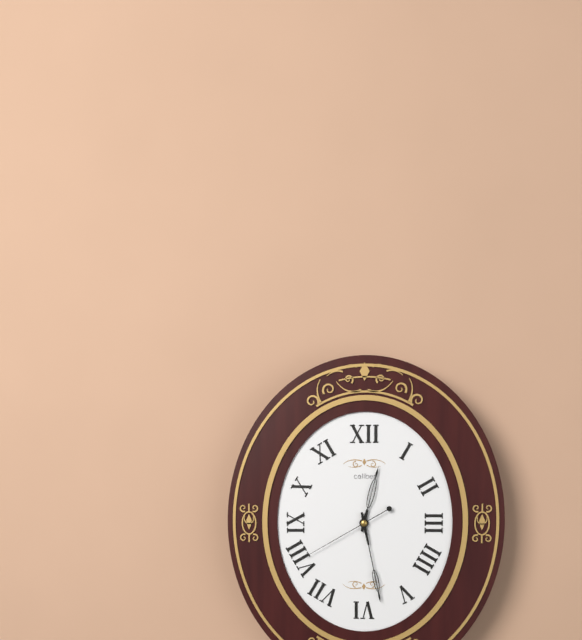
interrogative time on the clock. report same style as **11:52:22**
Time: **12:28:40**
